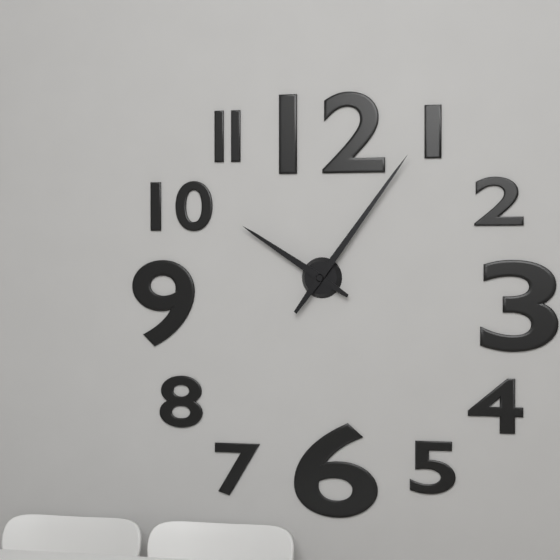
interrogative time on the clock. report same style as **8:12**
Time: **10:06**
